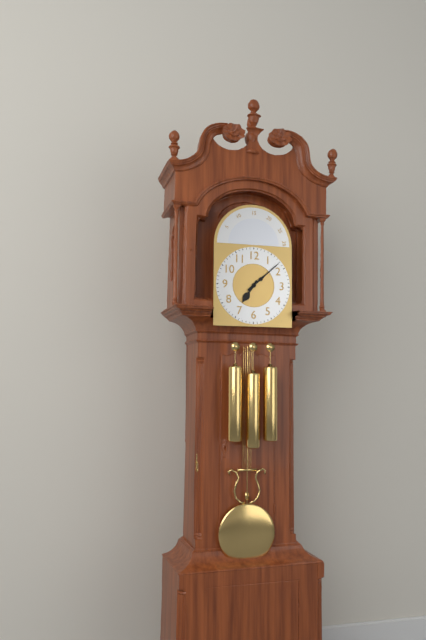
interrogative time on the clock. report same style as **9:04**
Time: **7:08**
